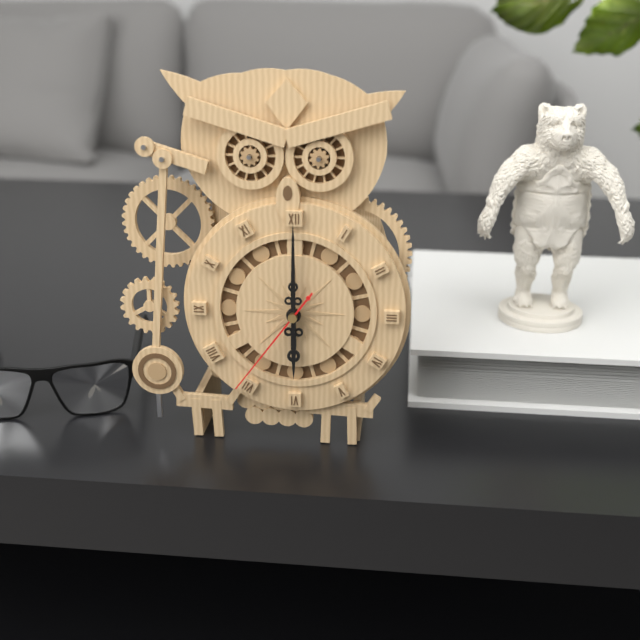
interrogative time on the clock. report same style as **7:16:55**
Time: **6:00:36**
